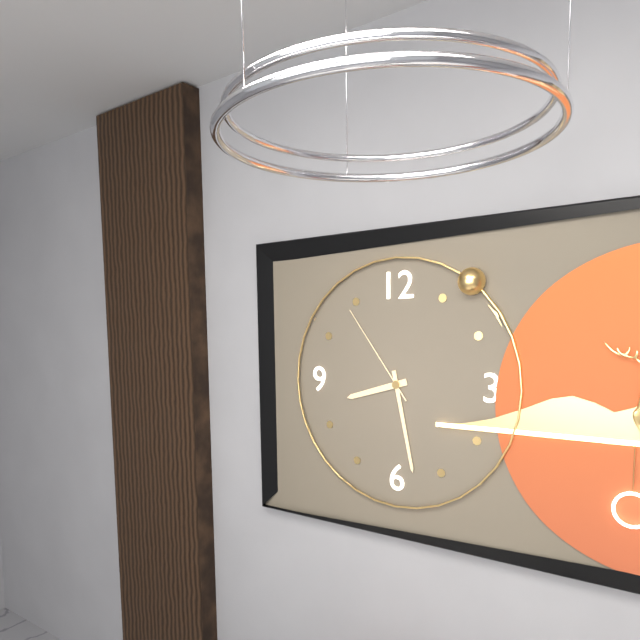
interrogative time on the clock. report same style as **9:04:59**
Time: **8:28:54**
